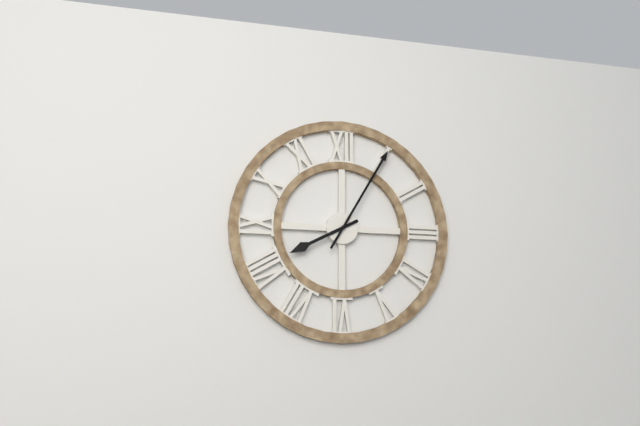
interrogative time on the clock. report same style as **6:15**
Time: **8:05**
